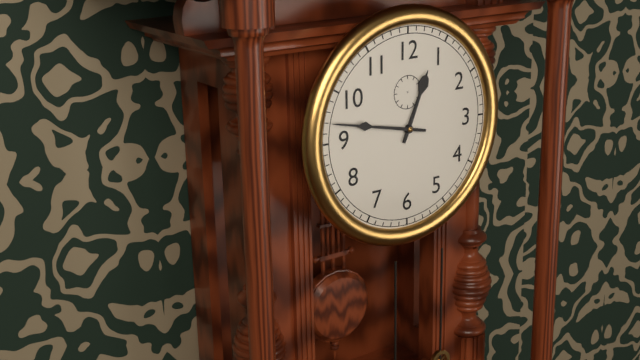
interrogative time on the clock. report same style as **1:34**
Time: **12:47**
